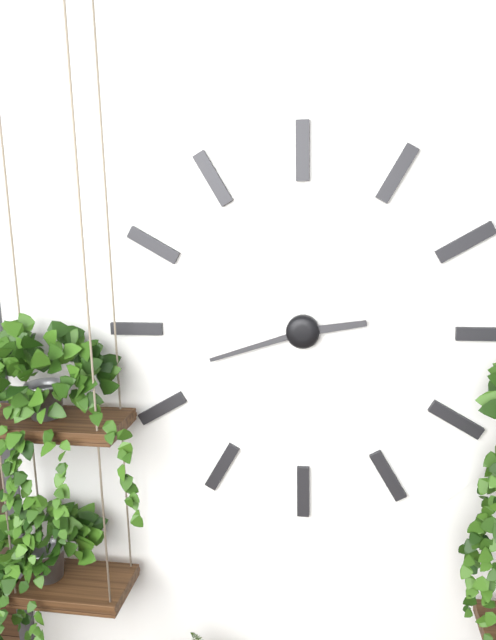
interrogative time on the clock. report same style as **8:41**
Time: **2:42**
